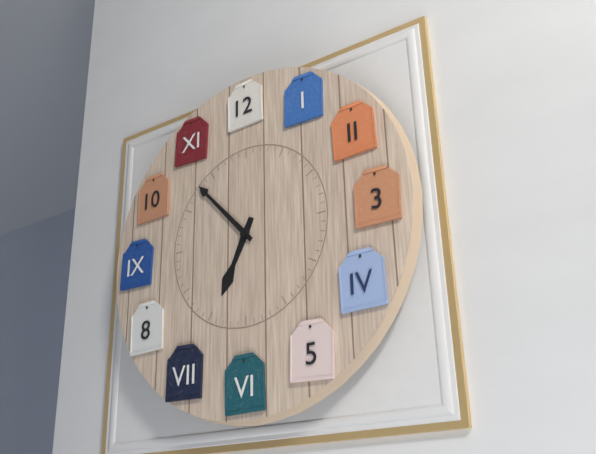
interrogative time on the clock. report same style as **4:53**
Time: **6:53**
